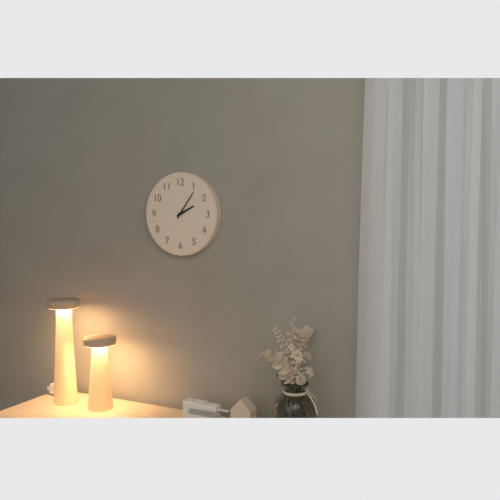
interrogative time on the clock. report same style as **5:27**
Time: **2:06**
